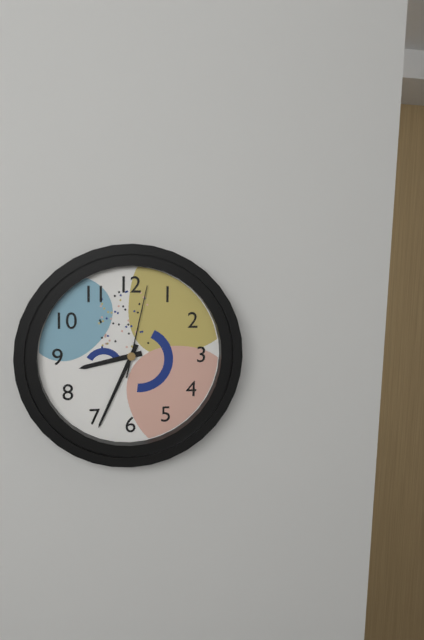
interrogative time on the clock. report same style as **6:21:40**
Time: **8:34:02**
